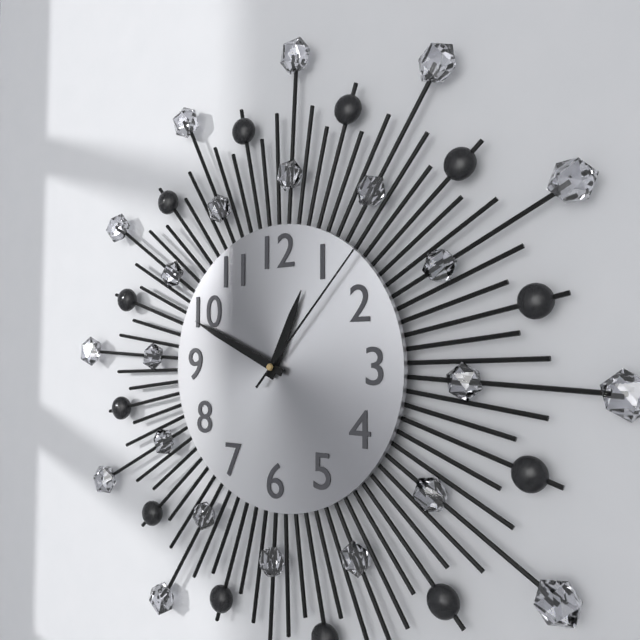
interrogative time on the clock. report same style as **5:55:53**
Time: **12:49:07**
